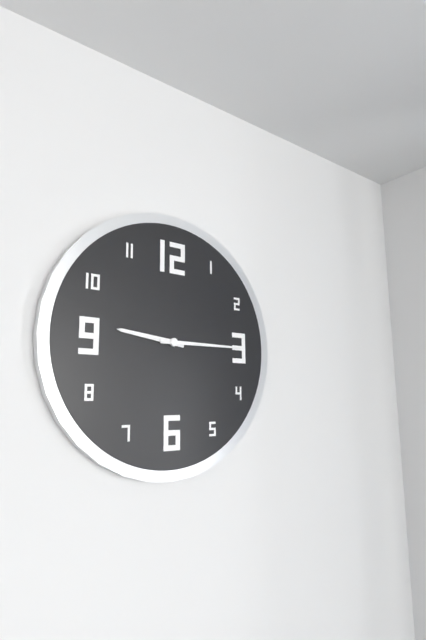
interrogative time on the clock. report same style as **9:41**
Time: **9:15**
